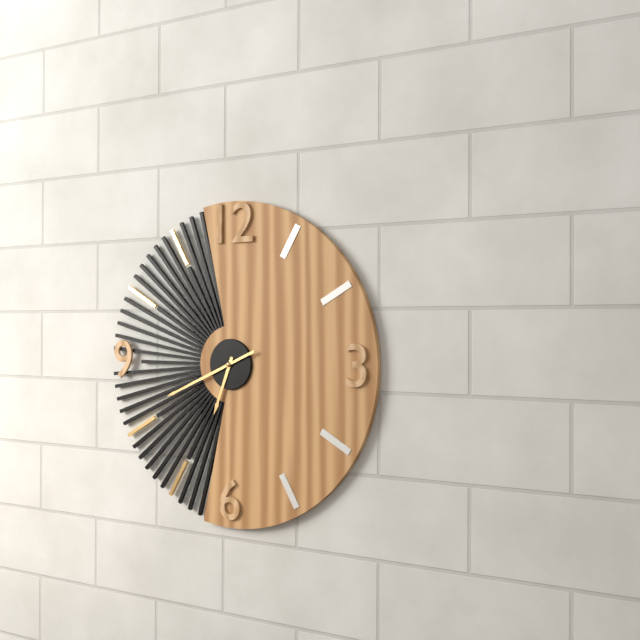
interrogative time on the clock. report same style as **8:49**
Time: **6:41**
